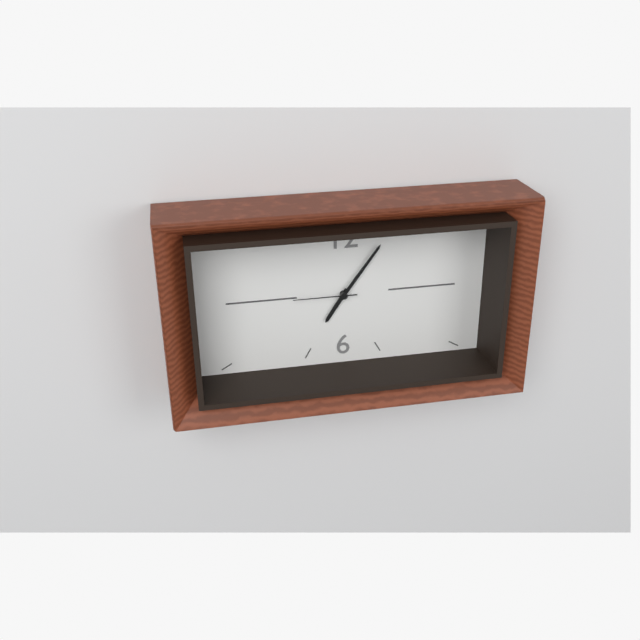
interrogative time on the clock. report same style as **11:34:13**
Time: **7:06:45**
